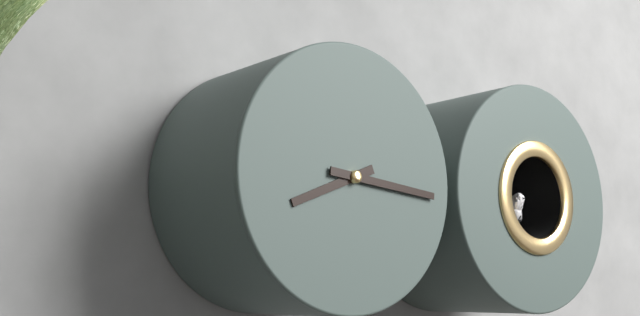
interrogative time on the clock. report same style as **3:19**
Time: **8:16**
